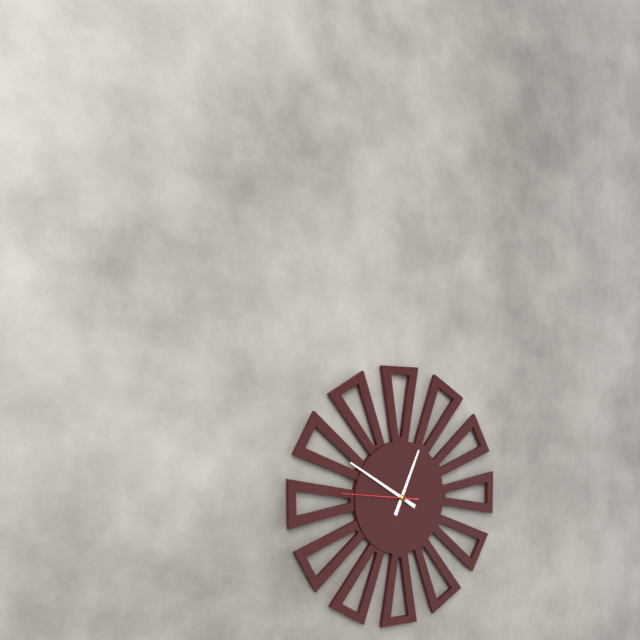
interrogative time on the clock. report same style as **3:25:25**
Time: **12:50:46**
